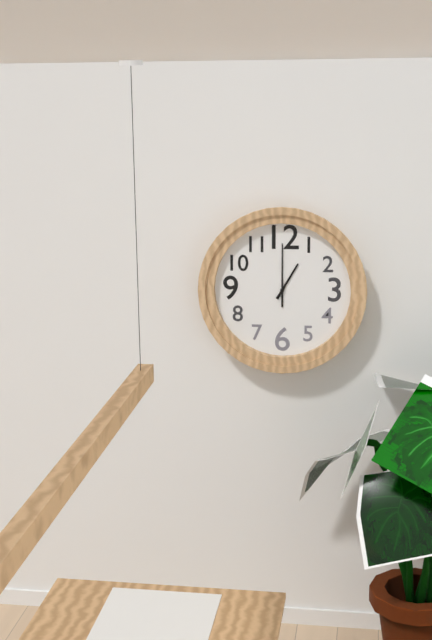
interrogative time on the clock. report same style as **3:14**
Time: **1:00**
